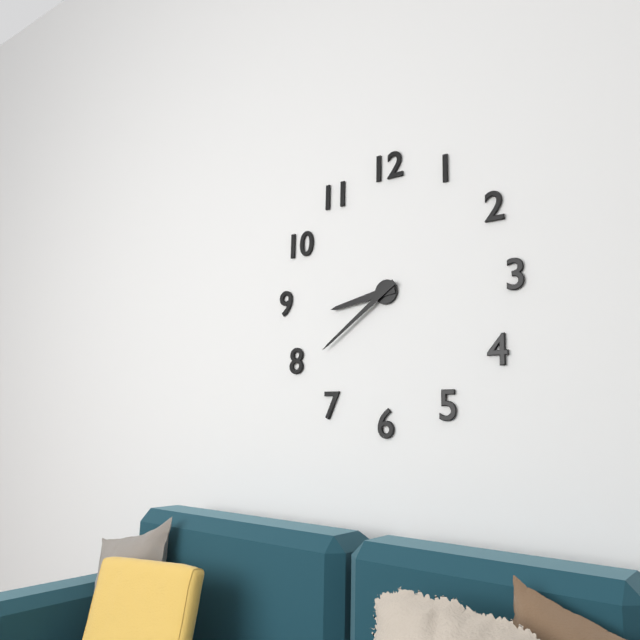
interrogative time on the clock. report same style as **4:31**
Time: **8:39**
